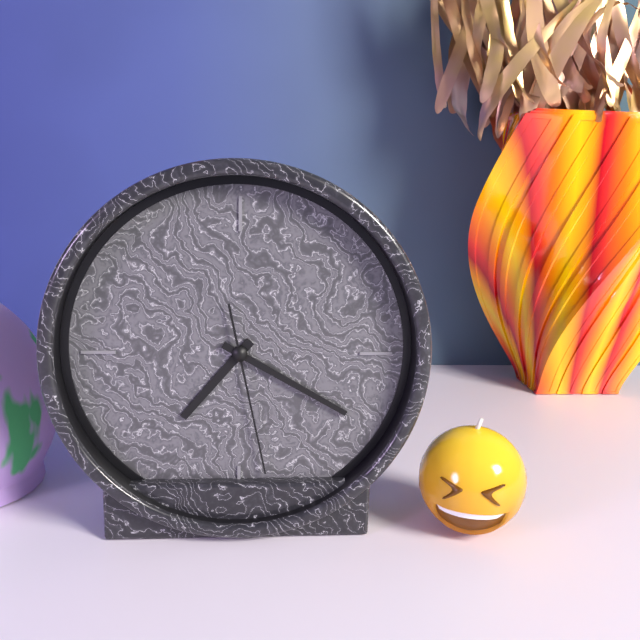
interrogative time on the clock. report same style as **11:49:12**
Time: **7:20:28**
